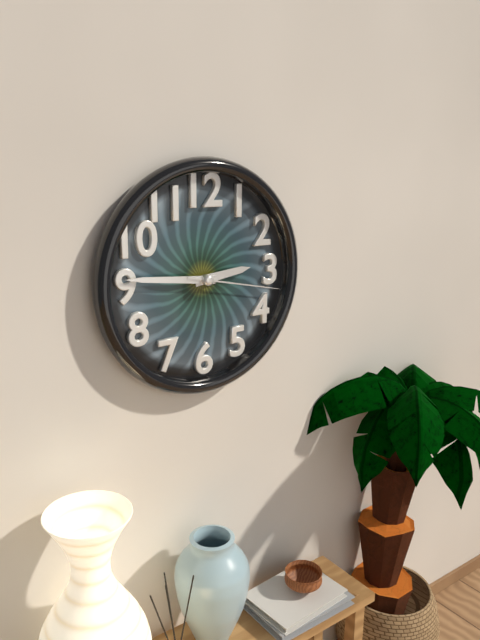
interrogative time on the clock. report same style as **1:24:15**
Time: **2:46:17**
